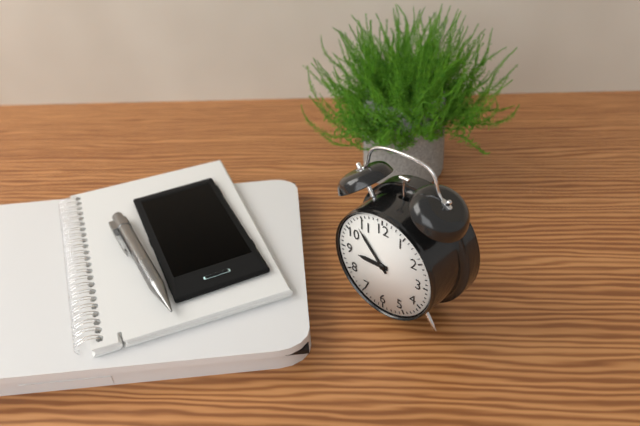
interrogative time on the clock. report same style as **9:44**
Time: **8:53**
